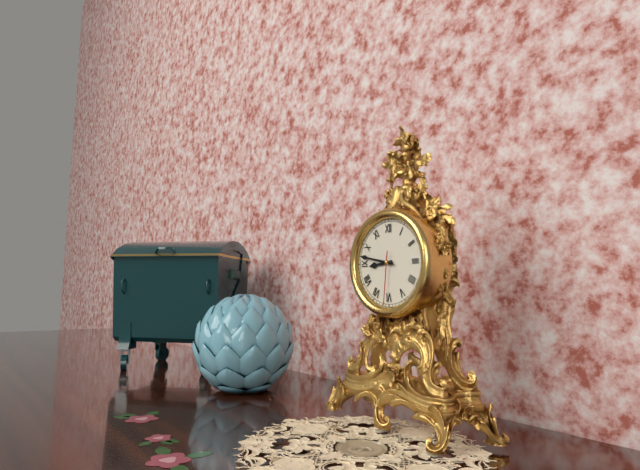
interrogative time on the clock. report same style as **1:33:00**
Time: **8:47:31**
